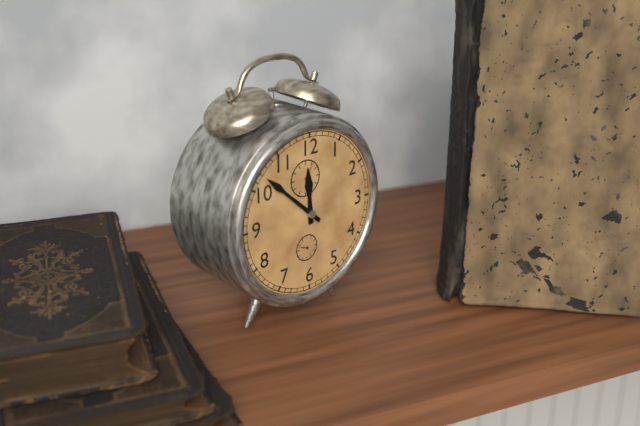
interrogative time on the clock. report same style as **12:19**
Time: **11:52**
